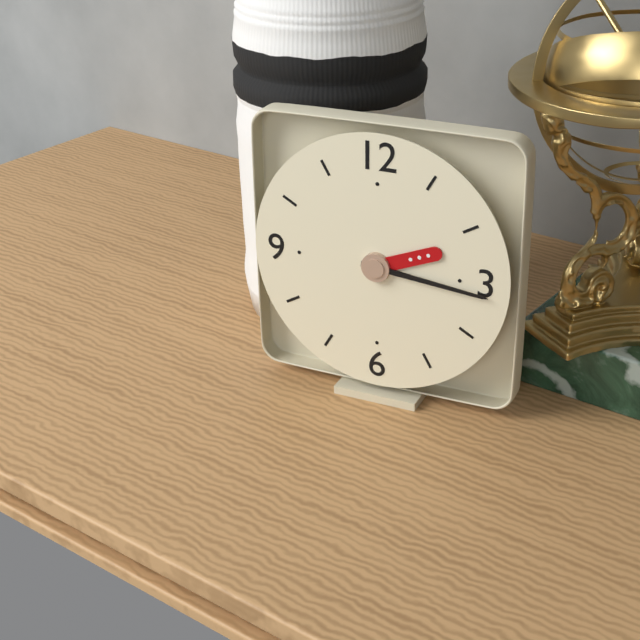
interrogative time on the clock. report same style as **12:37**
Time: **2:16**
